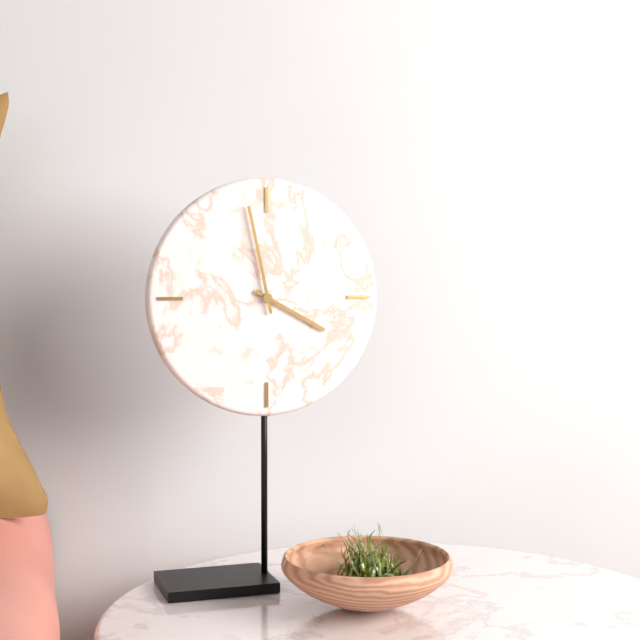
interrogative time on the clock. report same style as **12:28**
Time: **3:58**
